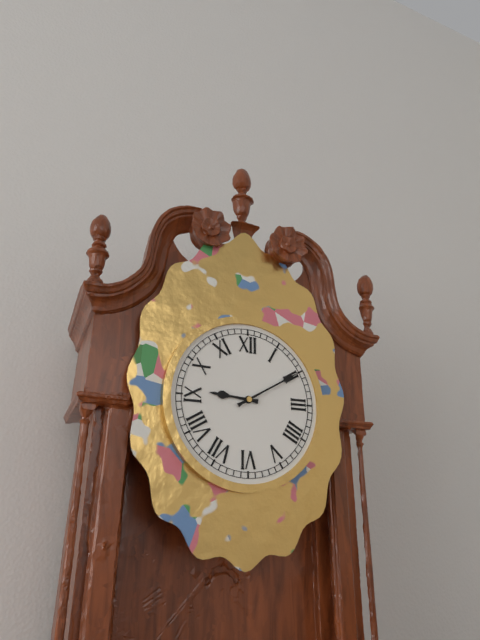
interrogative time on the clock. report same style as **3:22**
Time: **9:10**
